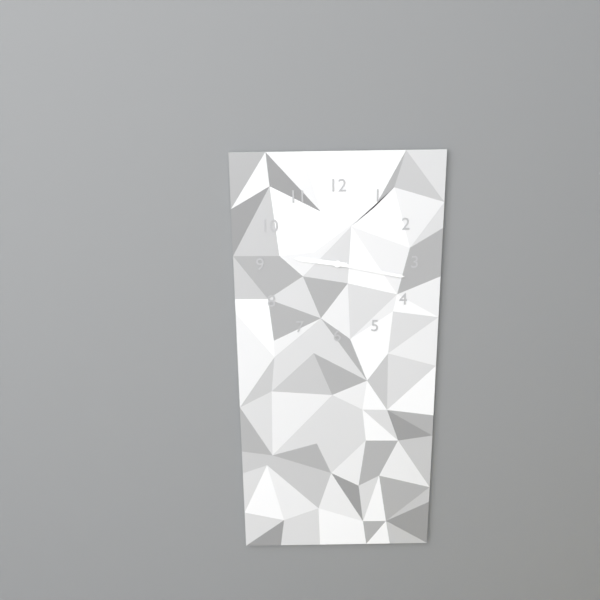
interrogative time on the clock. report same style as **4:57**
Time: **9:17**
